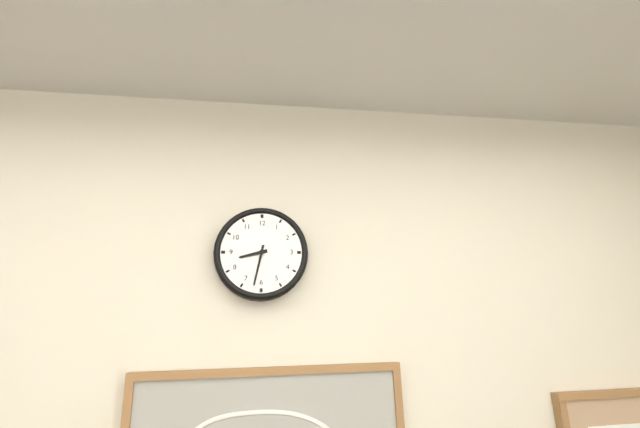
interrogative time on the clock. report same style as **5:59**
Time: **8:32**
